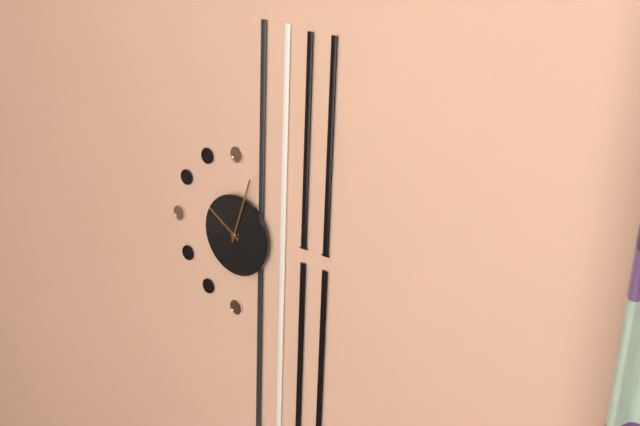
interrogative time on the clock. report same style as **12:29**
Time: **10:03**
